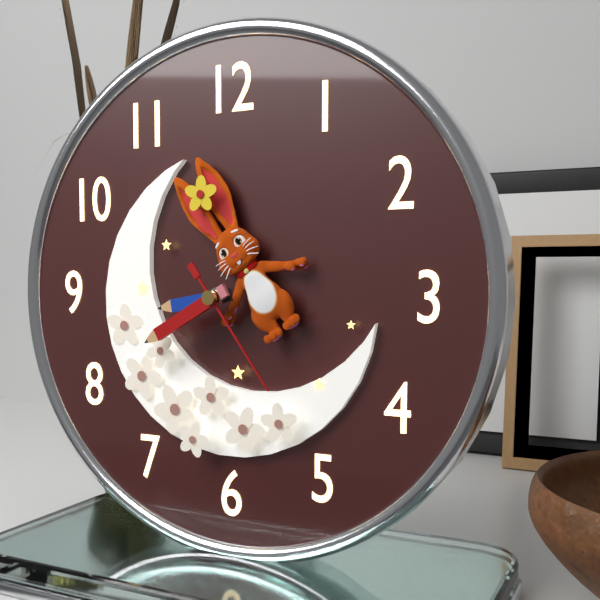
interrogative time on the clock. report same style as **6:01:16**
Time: **8:40:24**
